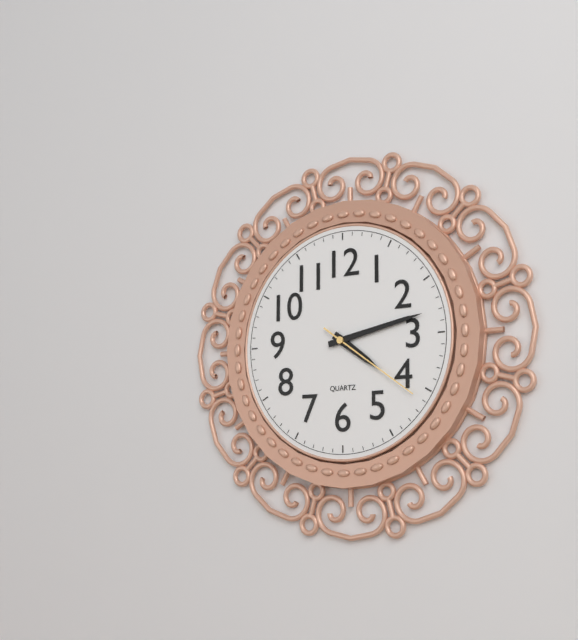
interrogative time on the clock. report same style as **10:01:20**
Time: **4:13:21**
